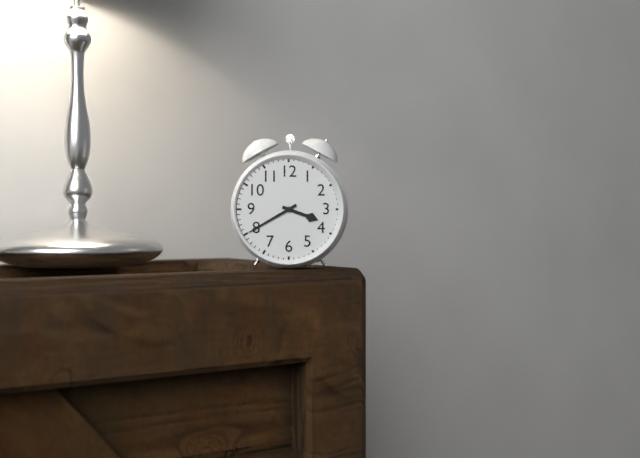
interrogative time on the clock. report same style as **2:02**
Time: **3:40**
